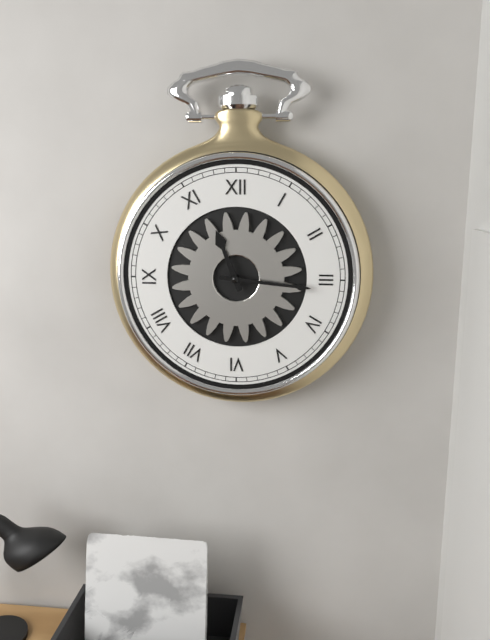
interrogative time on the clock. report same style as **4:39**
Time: **11:16**
